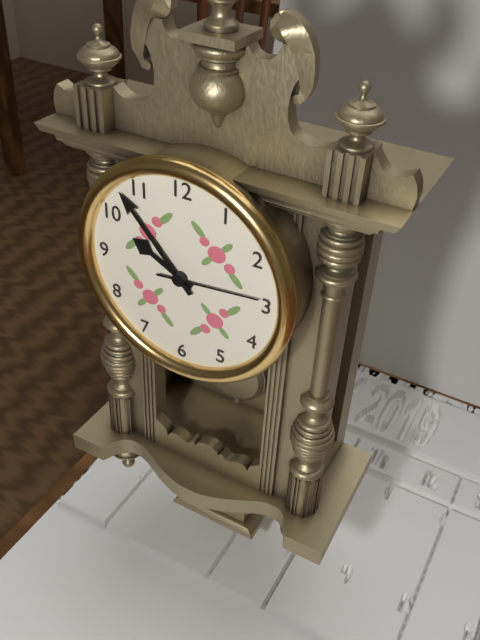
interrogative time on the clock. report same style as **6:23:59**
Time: **9:53:14**
